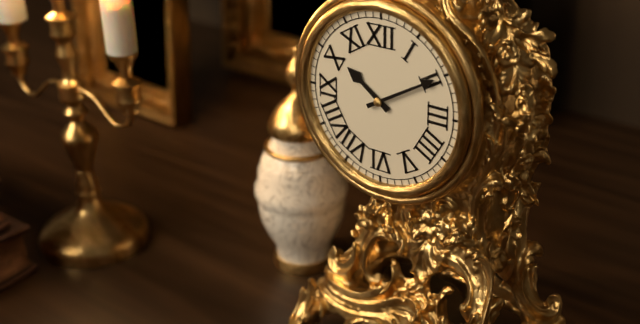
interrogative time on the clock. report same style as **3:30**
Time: **10:10**
